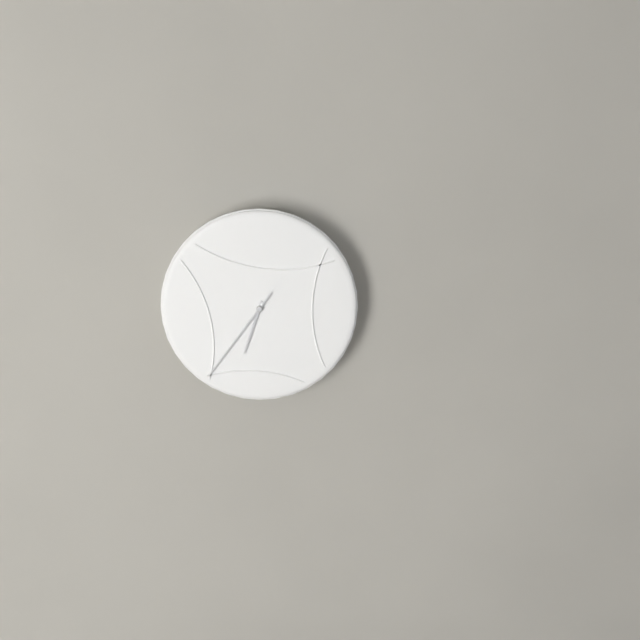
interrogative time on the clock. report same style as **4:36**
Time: **6:36**
